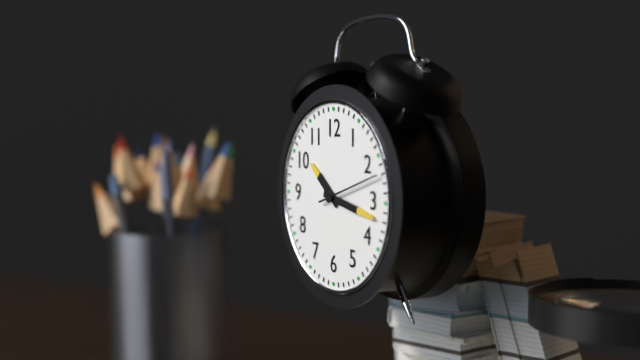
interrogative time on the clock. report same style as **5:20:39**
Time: **10:17:12**
